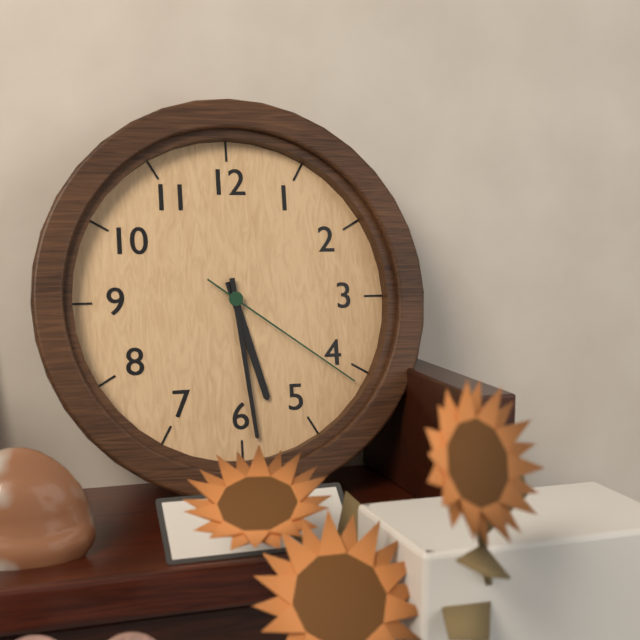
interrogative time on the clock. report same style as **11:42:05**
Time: **5:29:21**
